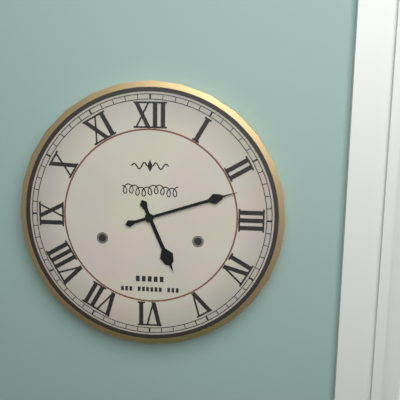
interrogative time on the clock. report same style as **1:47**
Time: **5:12**
